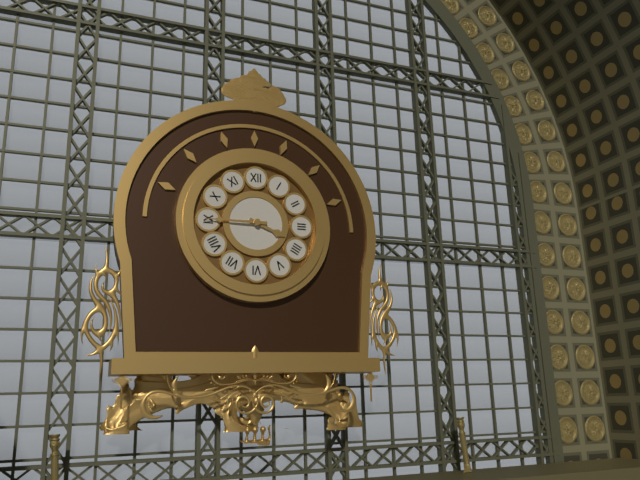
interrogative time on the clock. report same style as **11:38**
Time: **3:45**
